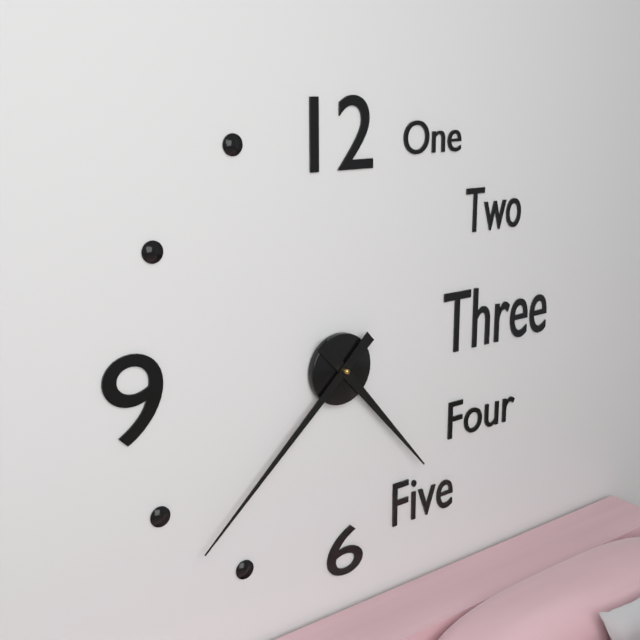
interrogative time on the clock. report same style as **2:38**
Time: **4:38**
